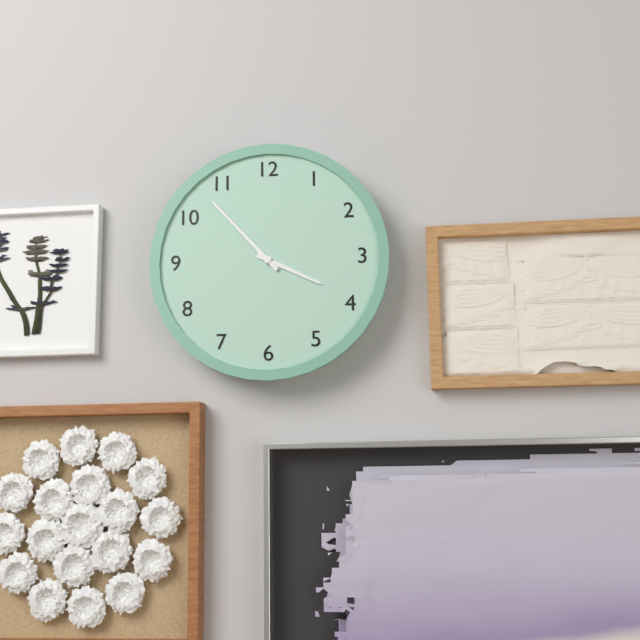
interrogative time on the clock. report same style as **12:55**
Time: **3:53**
